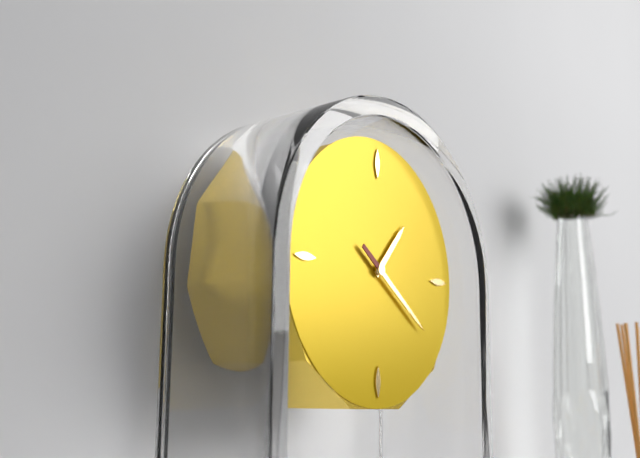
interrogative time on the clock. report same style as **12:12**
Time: **1:21**
